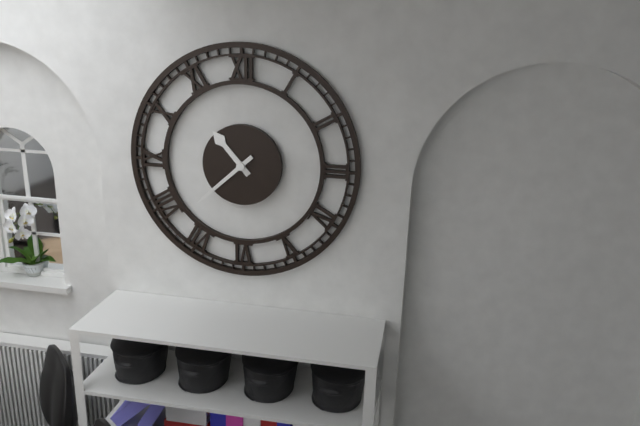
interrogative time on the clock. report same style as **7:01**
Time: **10:38**
